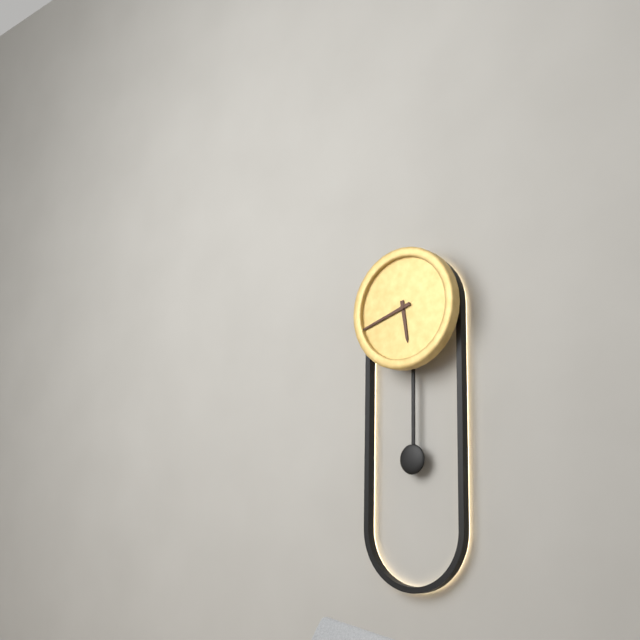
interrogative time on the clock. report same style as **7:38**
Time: **5:42**
